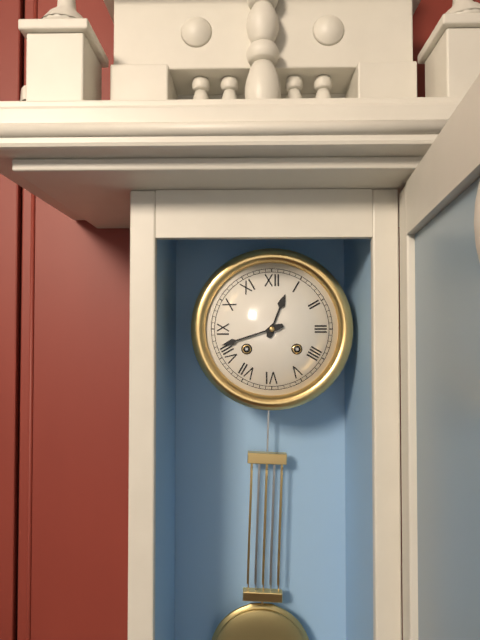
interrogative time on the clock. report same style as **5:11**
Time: **12:42**
